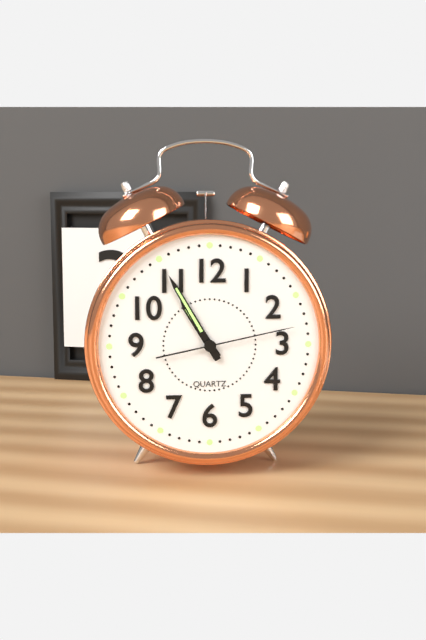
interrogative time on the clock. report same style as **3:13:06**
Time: **10:55:13**
